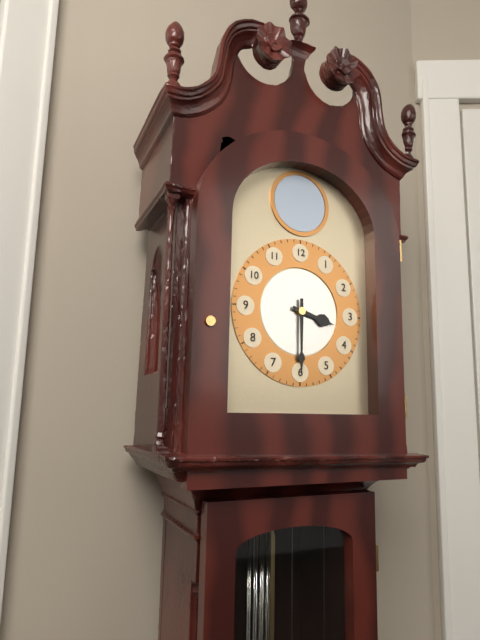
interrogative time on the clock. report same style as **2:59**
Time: **3:30**
